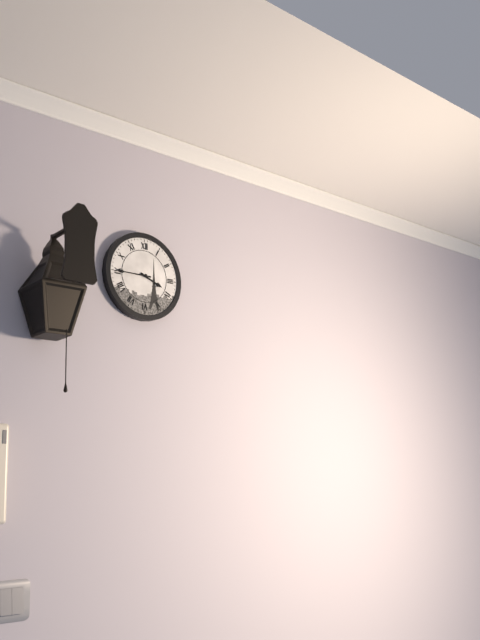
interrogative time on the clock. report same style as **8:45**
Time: **3:45**
